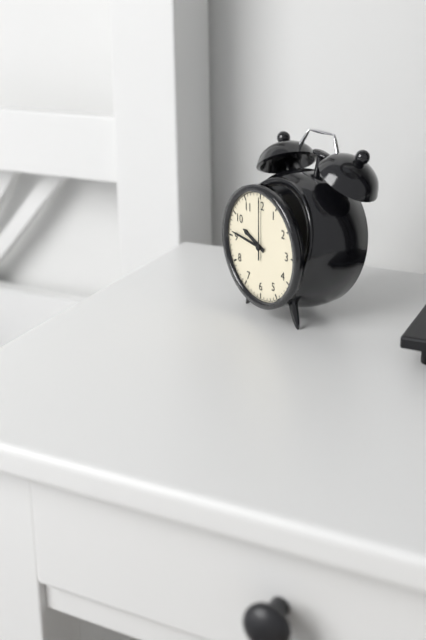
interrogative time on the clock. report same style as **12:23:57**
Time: **9:46:00**
